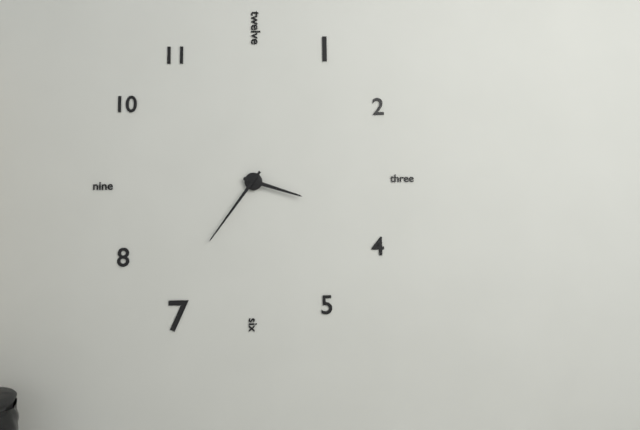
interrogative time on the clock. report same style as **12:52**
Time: **3:36**
